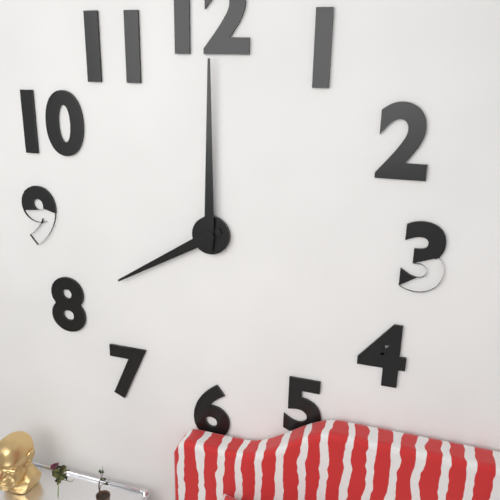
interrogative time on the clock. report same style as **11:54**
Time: **8:00**
